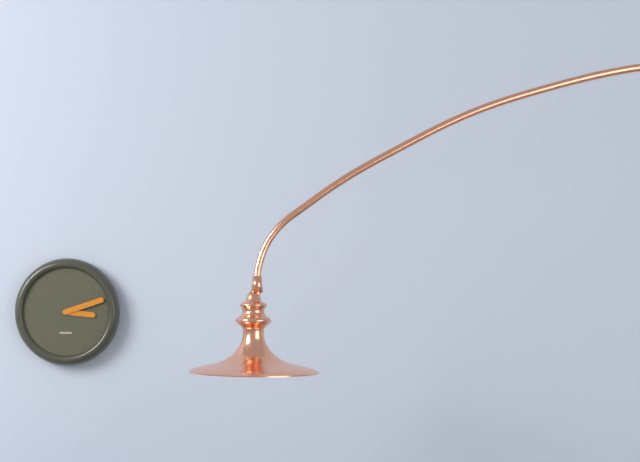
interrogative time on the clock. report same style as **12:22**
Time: **3:12**
